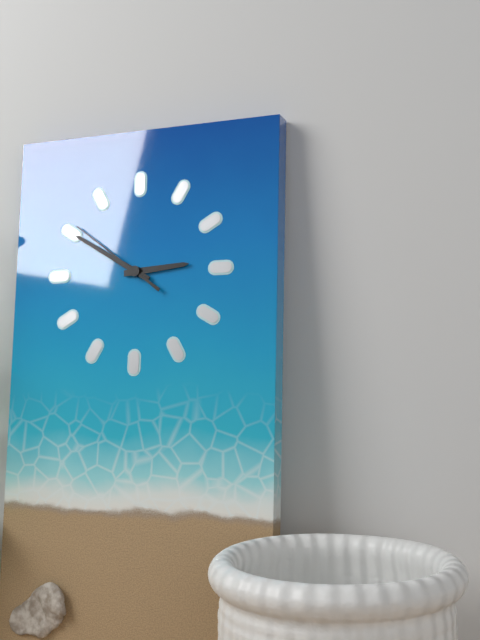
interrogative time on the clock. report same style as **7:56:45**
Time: **2:50:51**
